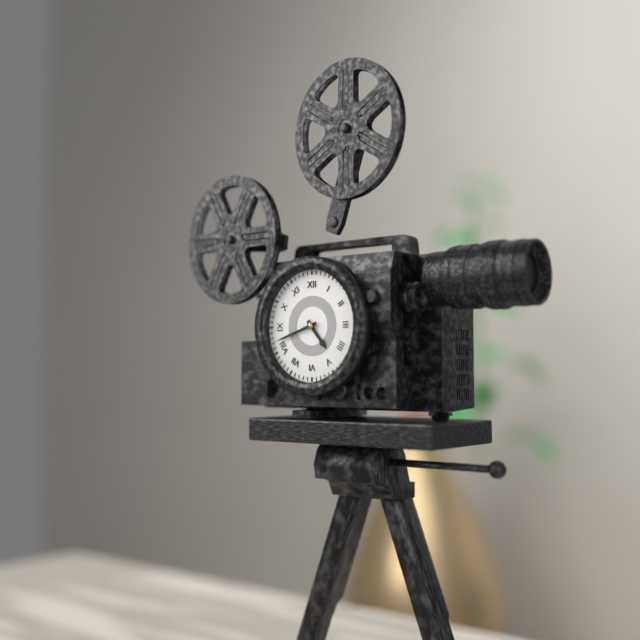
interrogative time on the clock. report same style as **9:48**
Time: **4:42**
